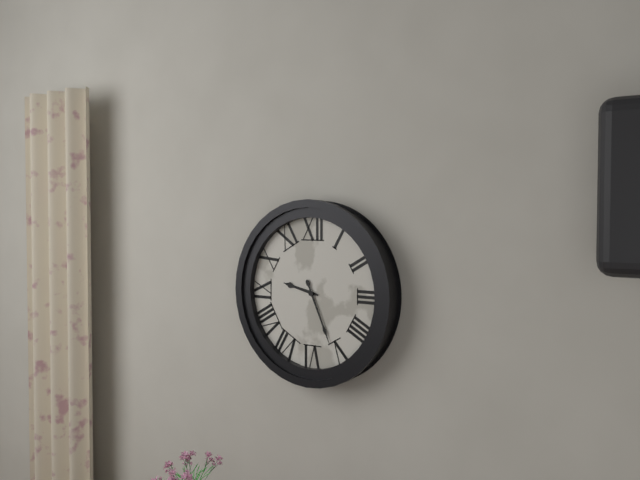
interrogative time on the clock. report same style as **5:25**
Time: **9:26**
